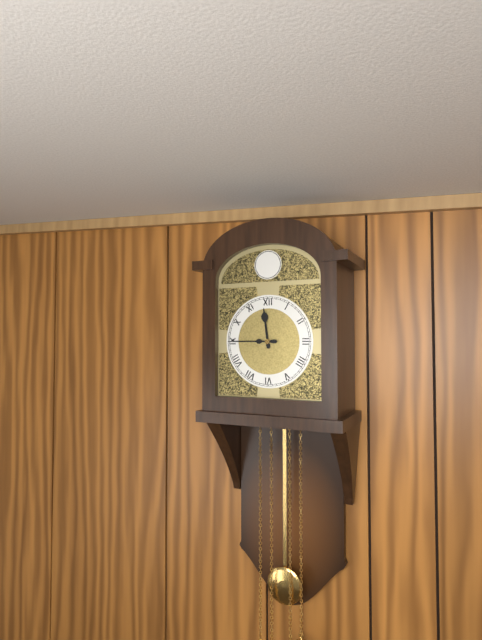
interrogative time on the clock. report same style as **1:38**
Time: **11:45**
